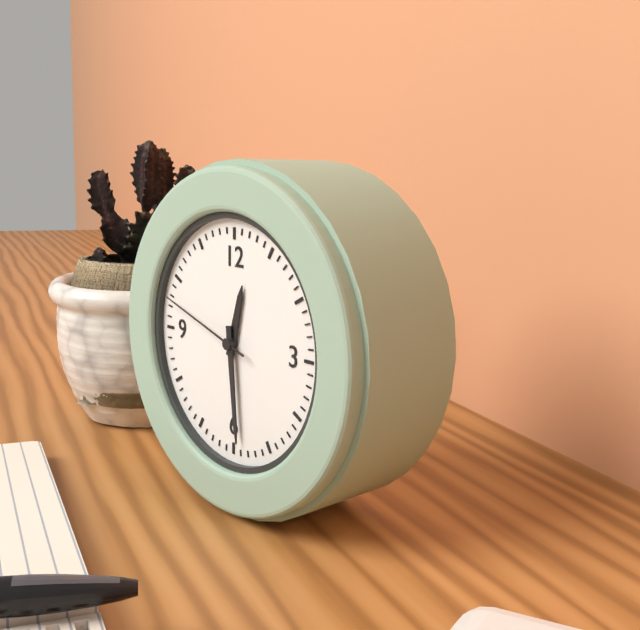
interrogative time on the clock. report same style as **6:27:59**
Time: **12:29:48**
